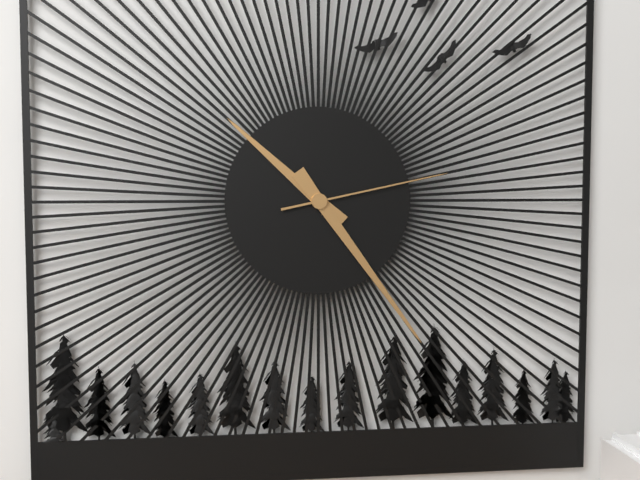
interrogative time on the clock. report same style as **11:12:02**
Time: **10:24:13**
